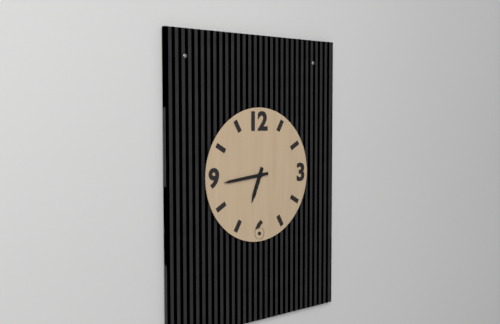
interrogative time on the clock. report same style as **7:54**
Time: **6:44**
